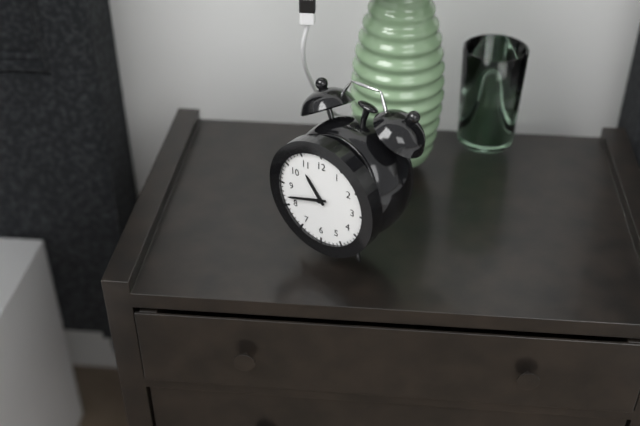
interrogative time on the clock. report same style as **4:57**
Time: **10:42**
